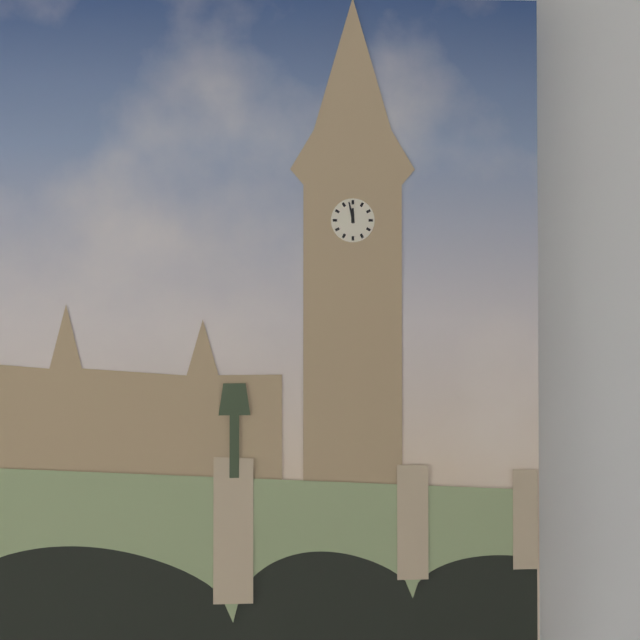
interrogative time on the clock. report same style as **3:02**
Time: **11:58**
